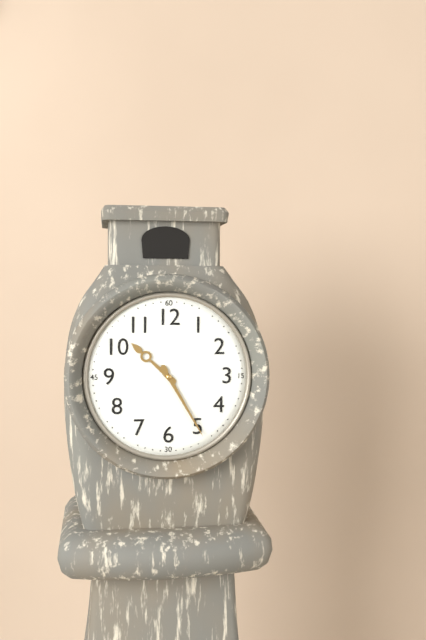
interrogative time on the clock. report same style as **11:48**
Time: **10:25**
